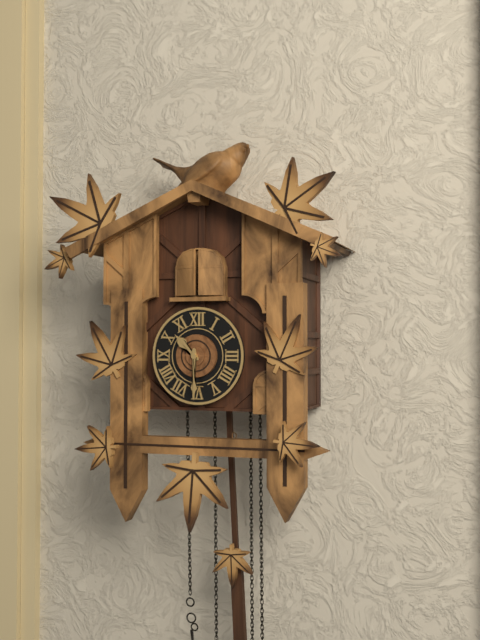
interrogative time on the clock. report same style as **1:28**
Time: **10:30**
